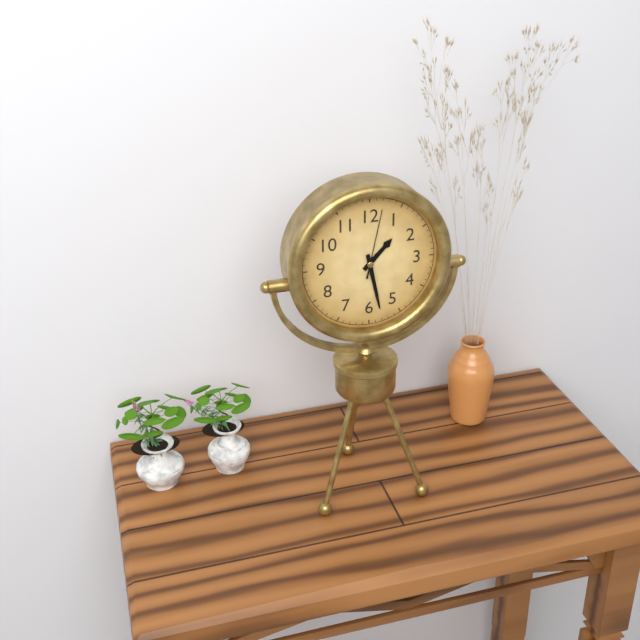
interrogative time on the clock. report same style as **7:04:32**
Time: **1:28:02**
